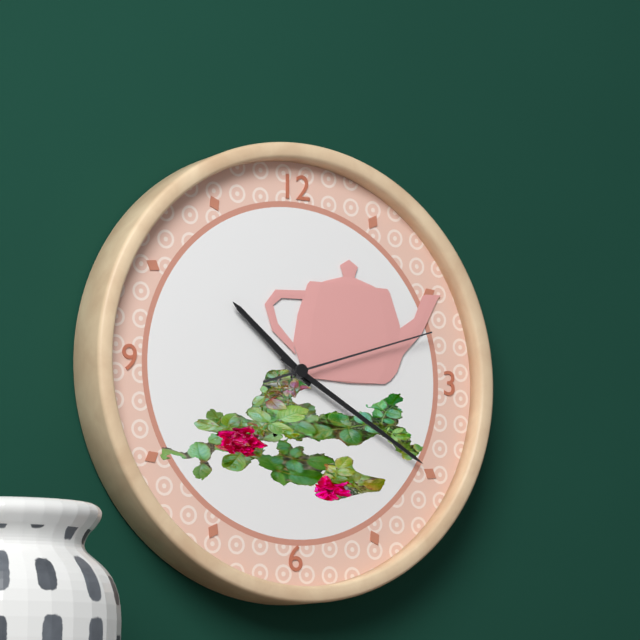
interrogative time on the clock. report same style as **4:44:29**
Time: **10:20:12**
